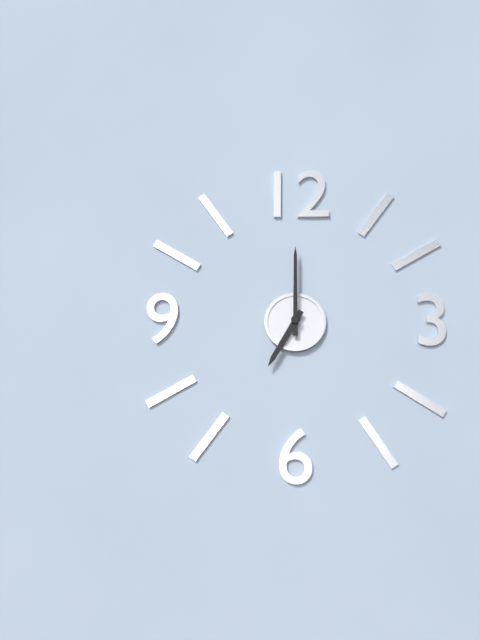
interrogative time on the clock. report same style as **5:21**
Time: **7:00**
